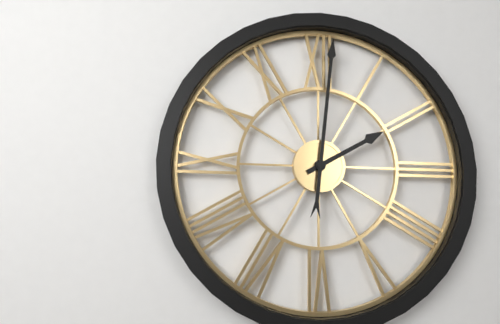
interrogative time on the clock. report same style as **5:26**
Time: **2:01**
